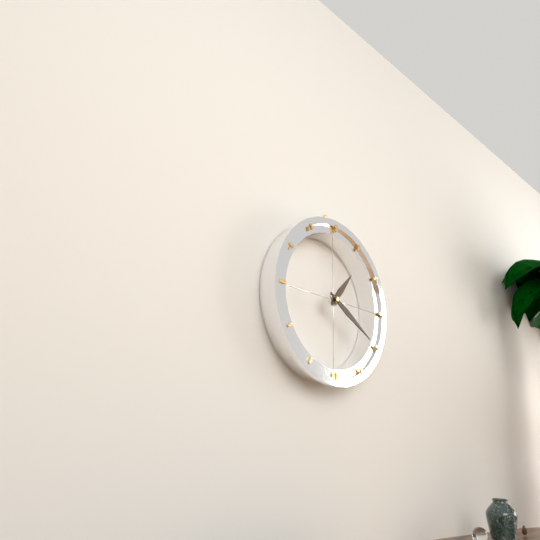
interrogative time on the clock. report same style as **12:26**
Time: **1:20**
